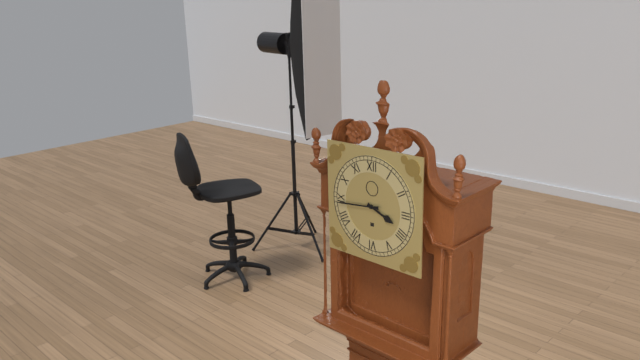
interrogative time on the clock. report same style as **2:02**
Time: **3:44**
